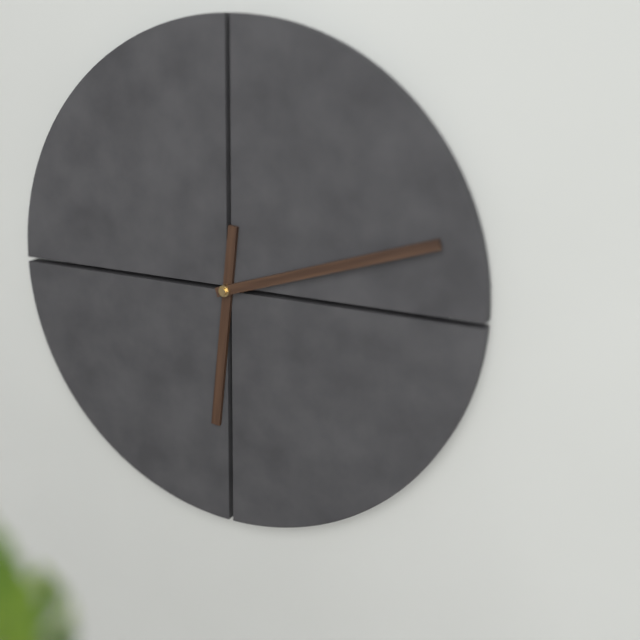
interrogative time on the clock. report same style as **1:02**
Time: **6:12**
